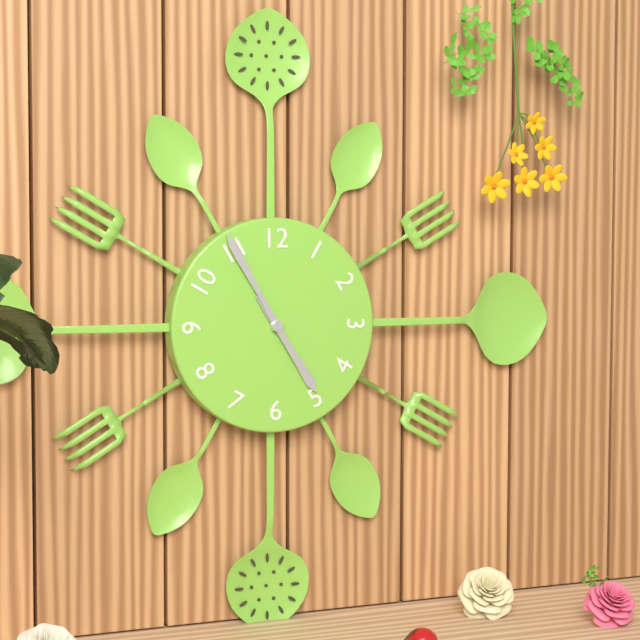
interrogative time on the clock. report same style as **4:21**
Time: **4:55**
